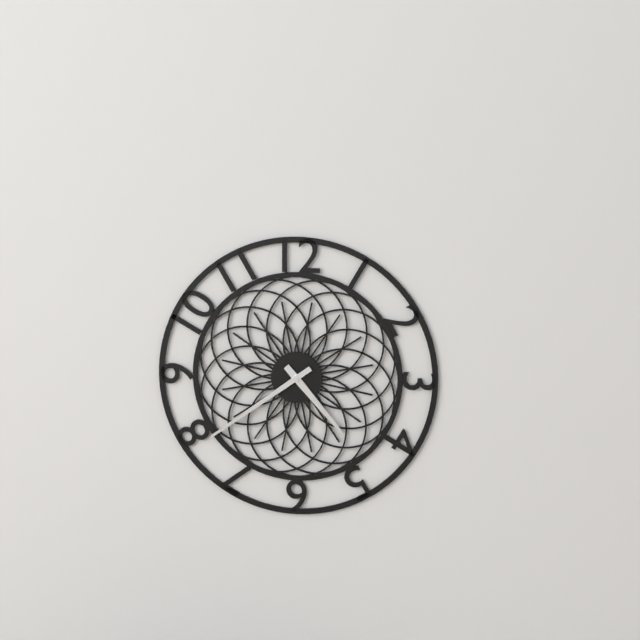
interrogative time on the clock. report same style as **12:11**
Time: **4:39**
